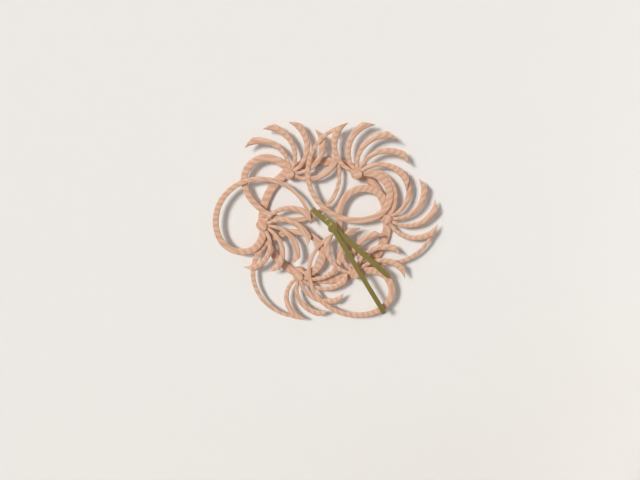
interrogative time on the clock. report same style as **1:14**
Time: **4:25**
